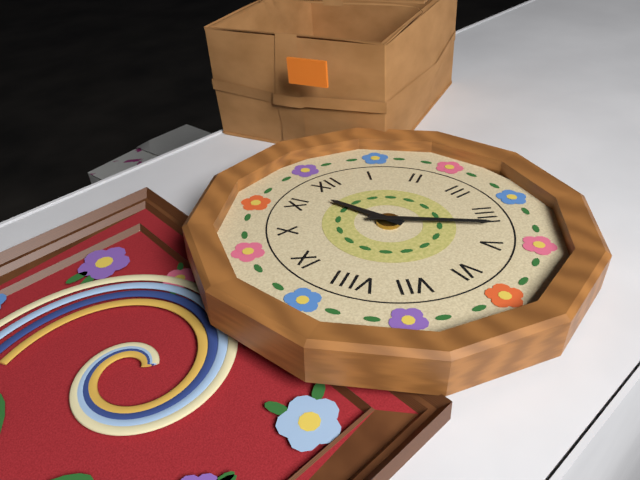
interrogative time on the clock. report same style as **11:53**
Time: **11:22**
